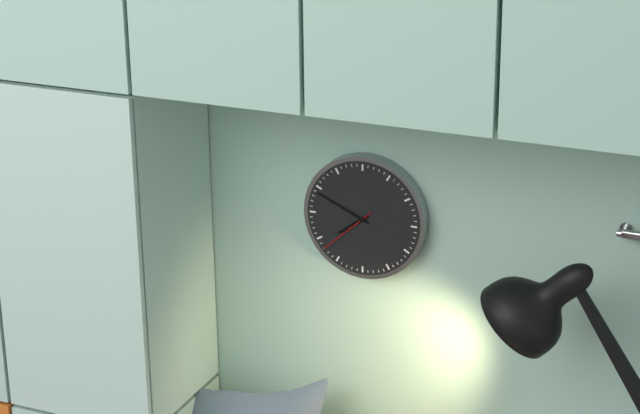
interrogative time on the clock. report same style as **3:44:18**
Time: **7:49:38**
